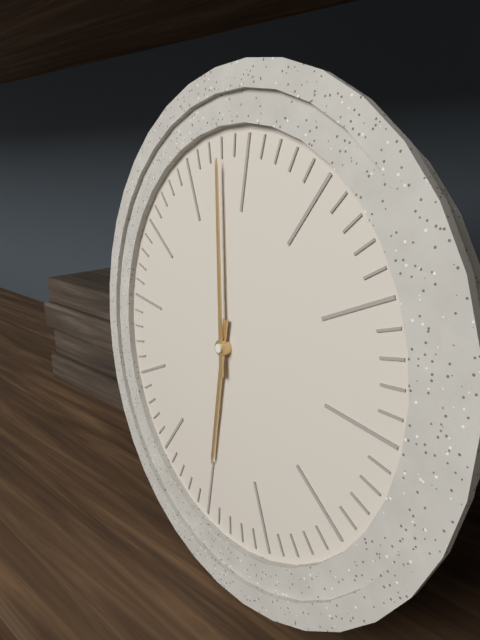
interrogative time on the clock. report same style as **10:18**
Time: **5:58**
